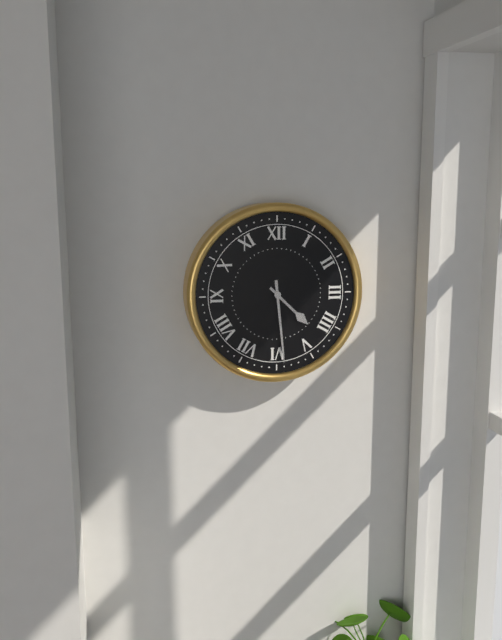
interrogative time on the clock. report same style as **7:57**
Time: **4:29**
